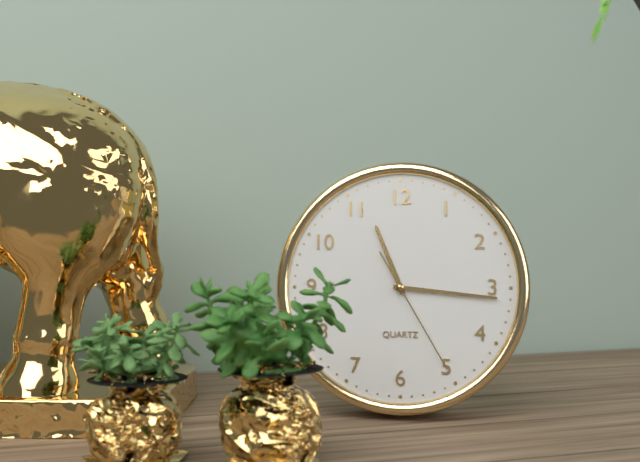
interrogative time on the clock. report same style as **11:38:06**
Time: **11:16:25**
